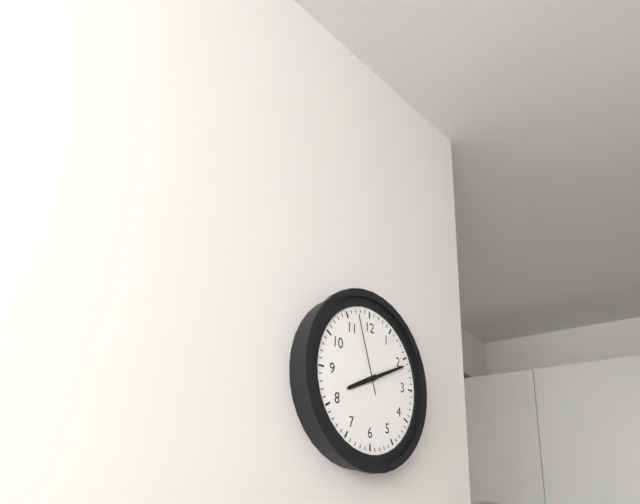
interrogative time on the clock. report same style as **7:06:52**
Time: **8:11:57**
